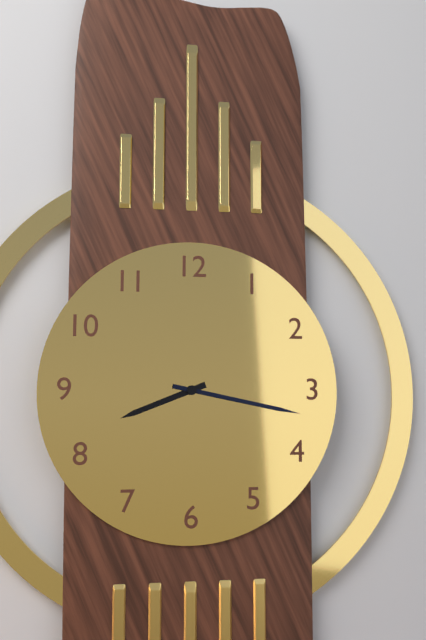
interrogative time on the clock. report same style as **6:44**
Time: **8:17**
